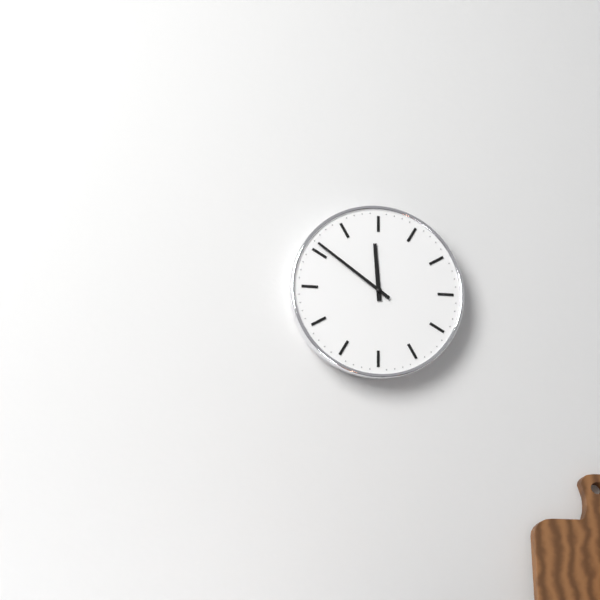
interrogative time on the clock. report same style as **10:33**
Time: **11:51**
